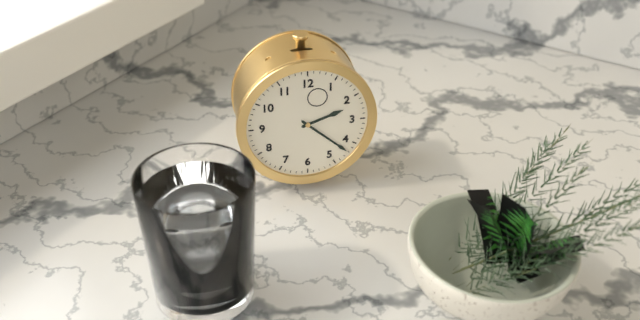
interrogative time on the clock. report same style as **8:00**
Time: **2:22**
